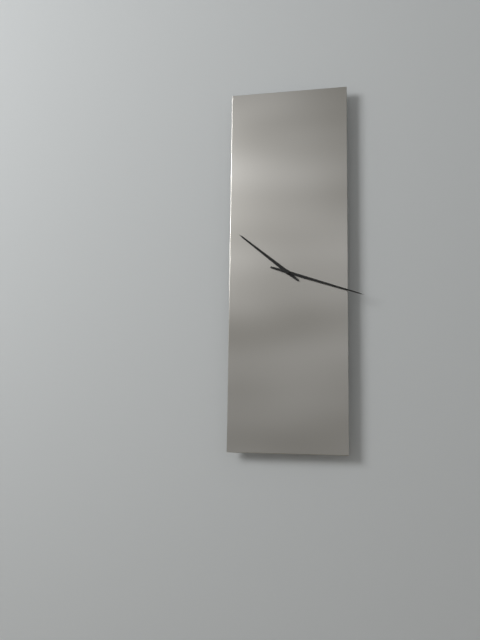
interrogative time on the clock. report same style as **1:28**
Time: **10:18**
